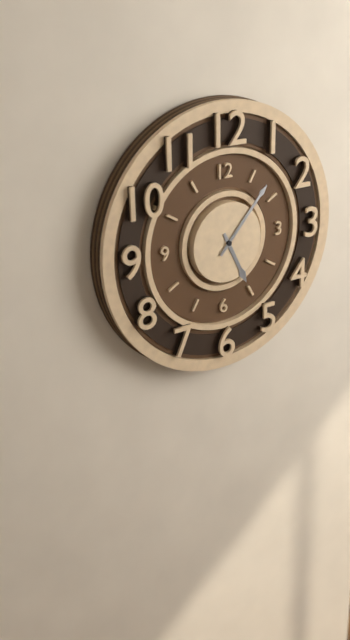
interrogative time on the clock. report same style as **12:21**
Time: **5:07**
